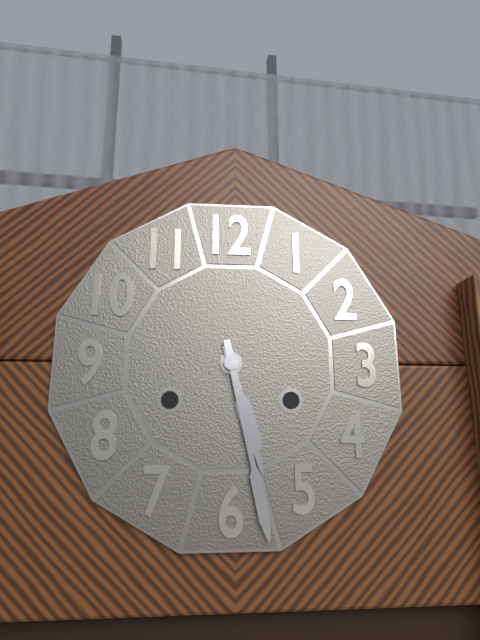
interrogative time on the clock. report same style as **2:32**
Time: **5:28**
